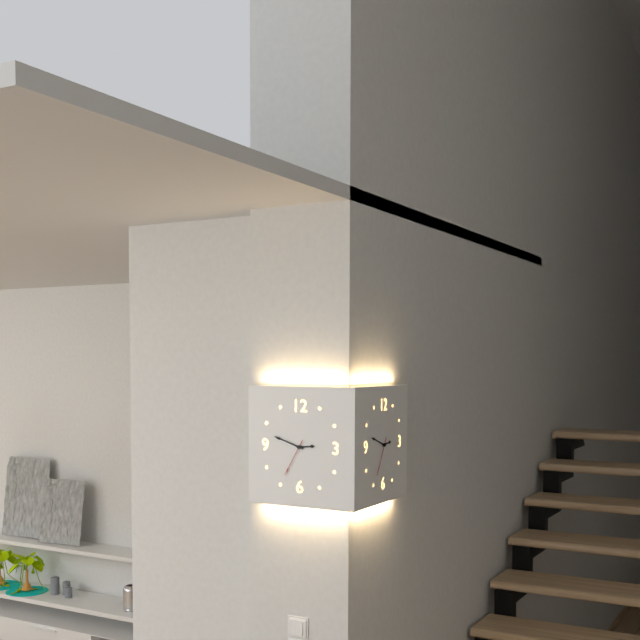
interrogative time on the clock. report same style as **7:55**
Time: **2:48**
